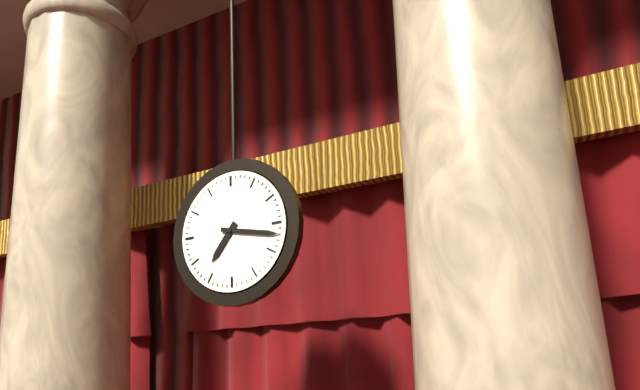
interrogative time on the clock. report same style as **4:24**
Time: **7:17**
